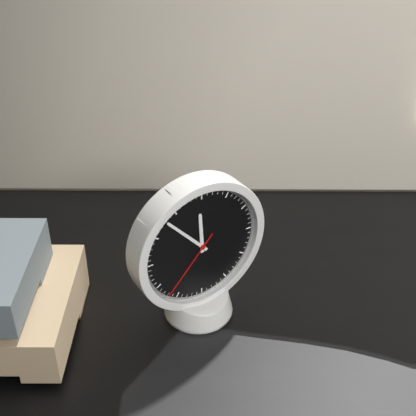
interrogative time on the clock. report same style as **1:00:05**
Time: **11:53:37**
